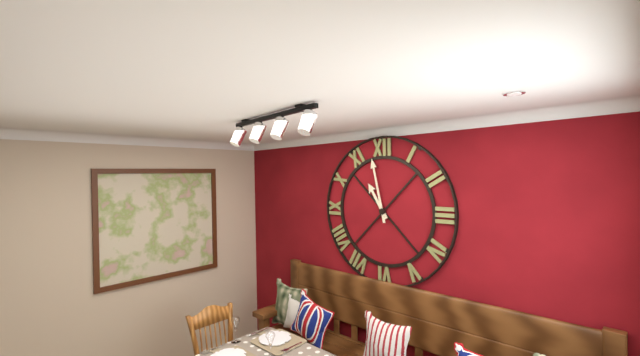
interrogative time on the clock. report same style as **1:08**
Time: **10:58**
